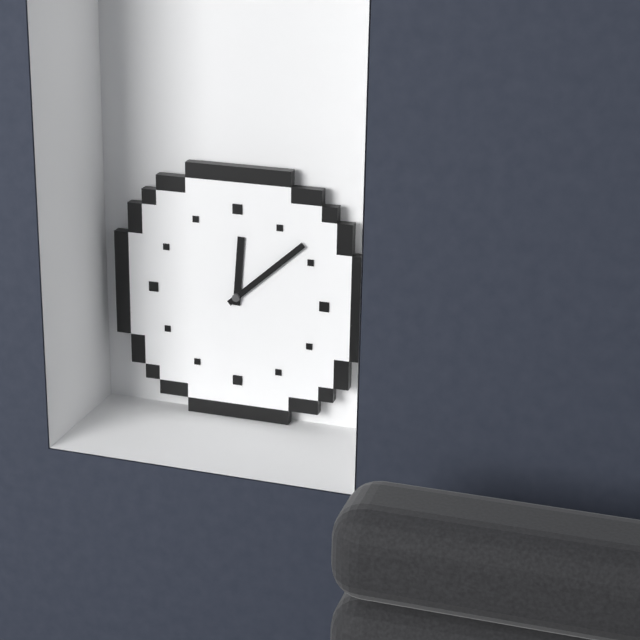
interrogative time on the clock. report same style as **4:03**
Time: **12:08**
